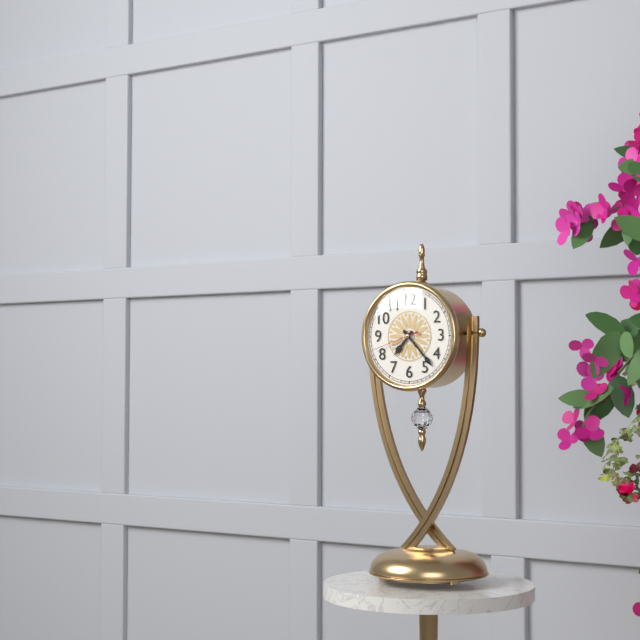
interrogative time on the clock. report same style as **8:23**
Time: **7:23**
